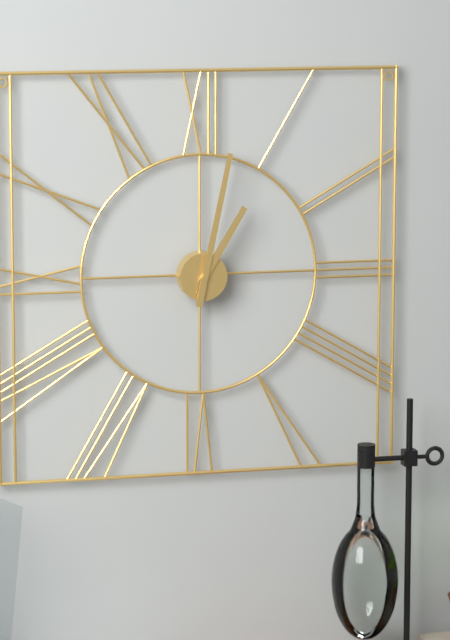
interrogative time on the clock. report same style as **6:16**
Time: **1:02**
